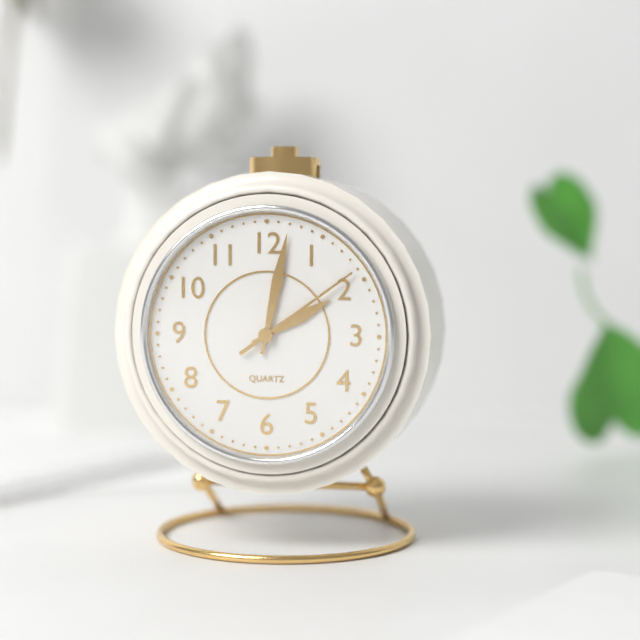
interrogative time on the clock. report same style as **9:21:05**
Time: **2:02:09**
